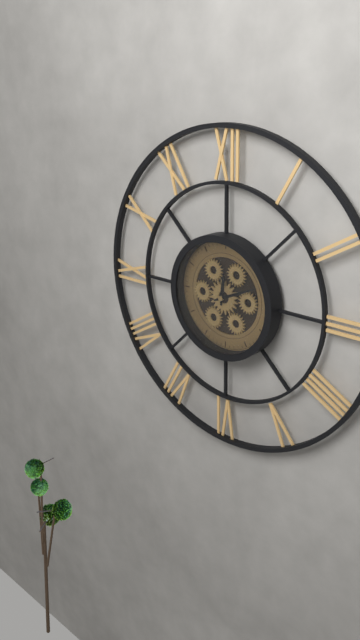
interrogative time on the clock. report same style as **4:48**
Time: **12:11**
